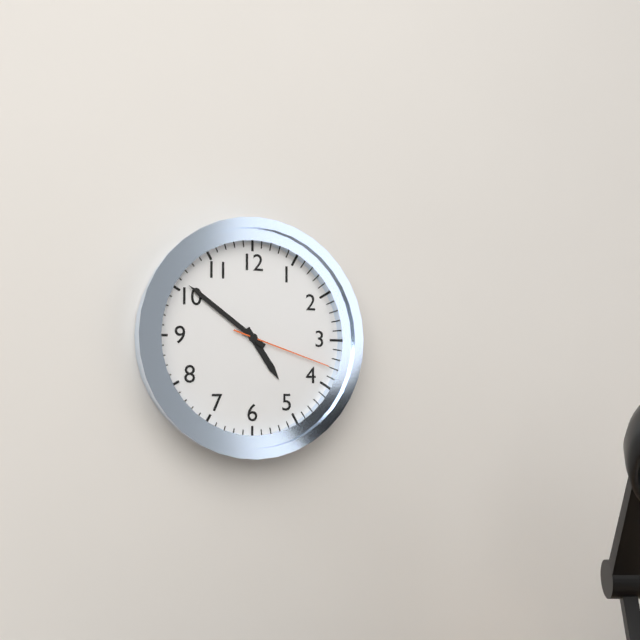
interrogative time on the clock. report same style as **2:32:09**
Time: **4:51:18**
